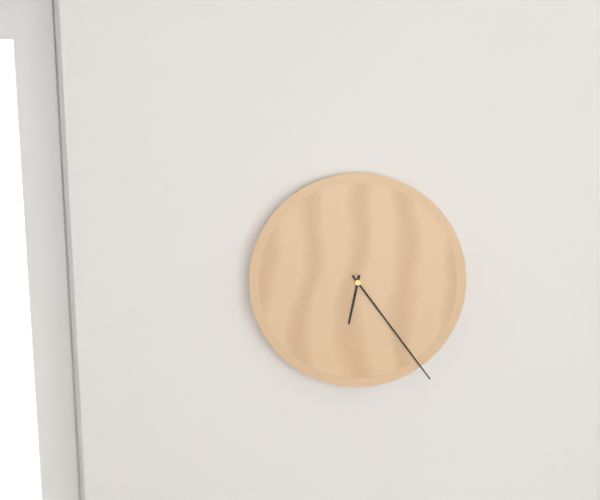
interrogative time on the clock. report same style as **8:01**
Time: **6:24**
